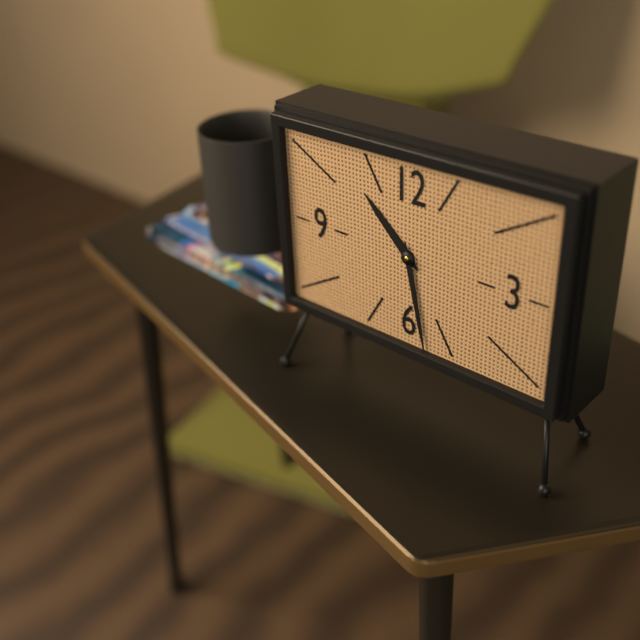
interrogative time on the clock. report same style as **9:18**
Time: **10:28**
